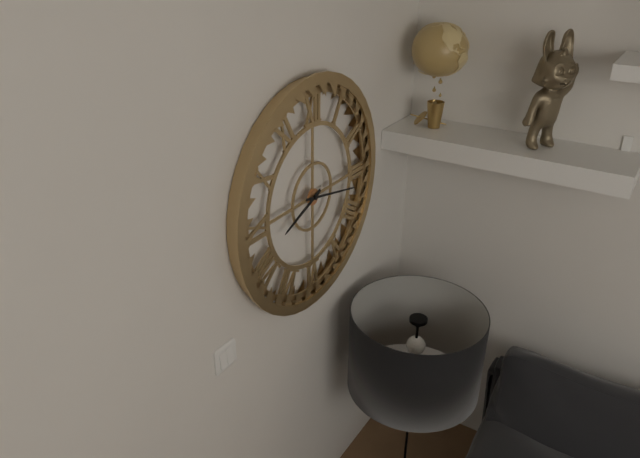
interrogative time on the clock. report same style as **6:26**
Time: **8:17**
